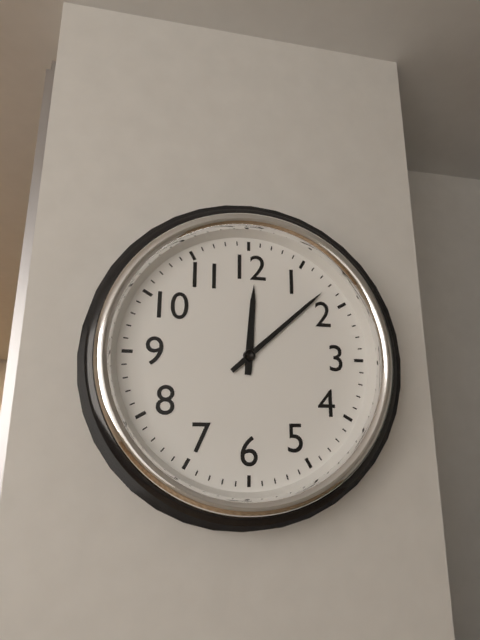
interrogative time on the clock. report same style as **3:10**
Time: **12:08**
